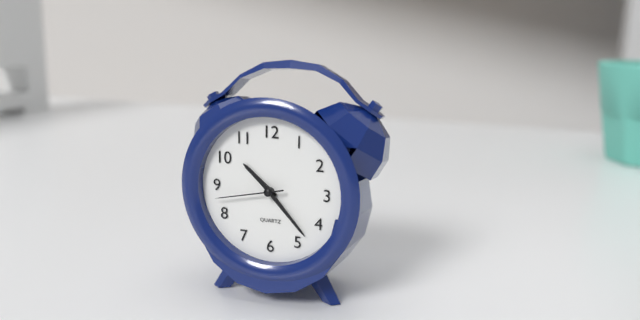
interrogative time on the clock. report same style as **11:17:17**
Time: **10:23:43**
